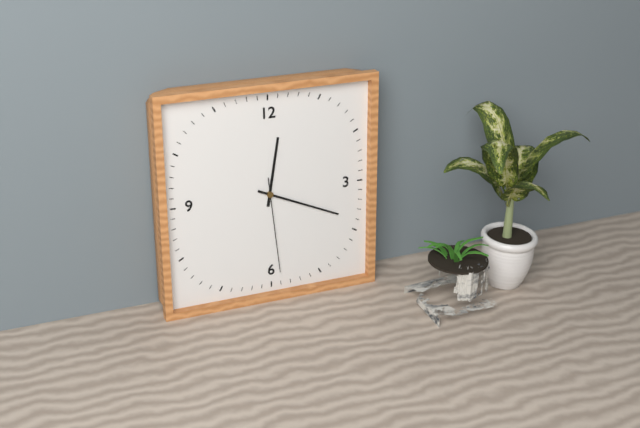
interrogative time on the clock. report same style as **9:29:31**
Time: **12:19:29**
